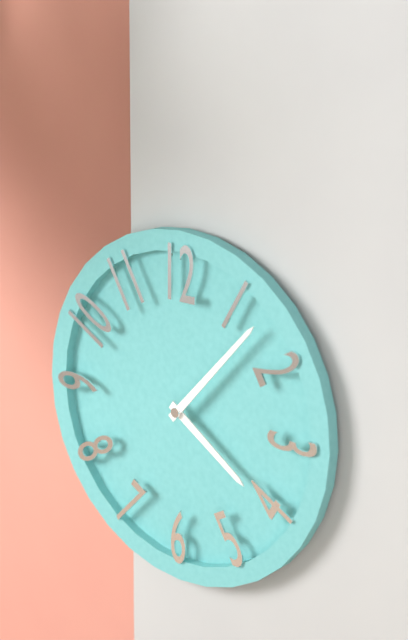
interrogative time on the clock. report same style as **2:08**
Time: **4:07**
